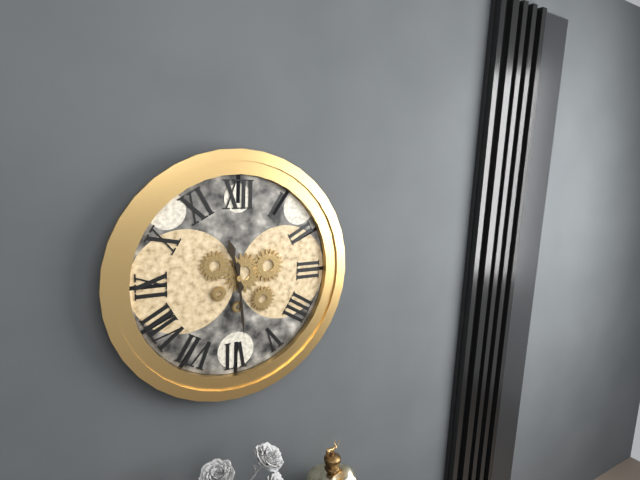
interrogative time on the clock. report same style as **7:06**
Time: **11:29**
